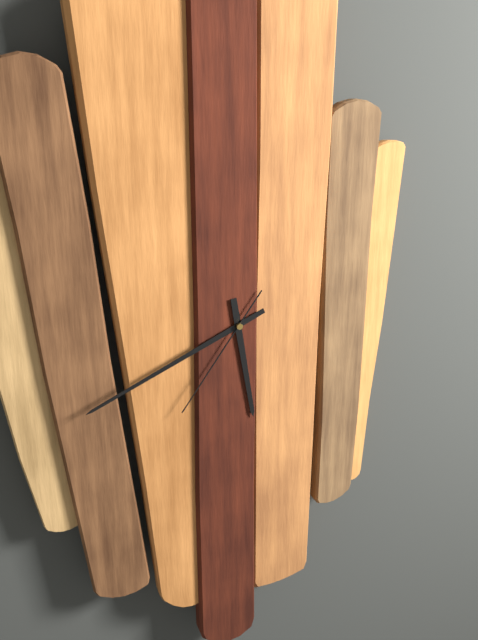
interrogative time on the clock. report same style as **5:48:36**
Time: **5:41:36**
